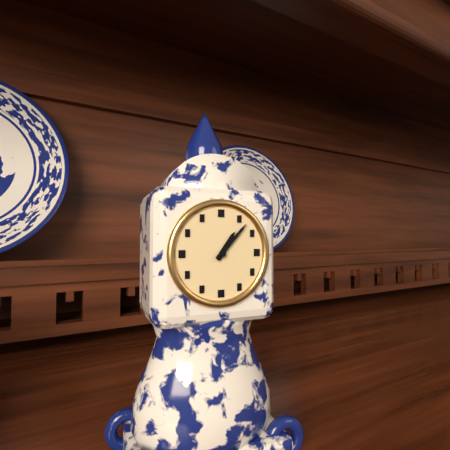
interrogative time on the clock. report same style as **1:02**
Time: **1:07**
